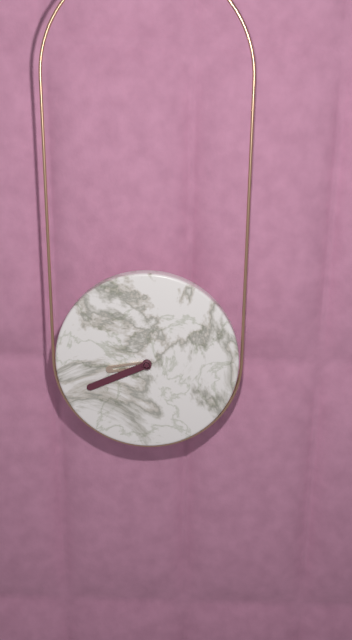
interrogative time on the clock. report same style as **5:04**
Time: **8:41**
